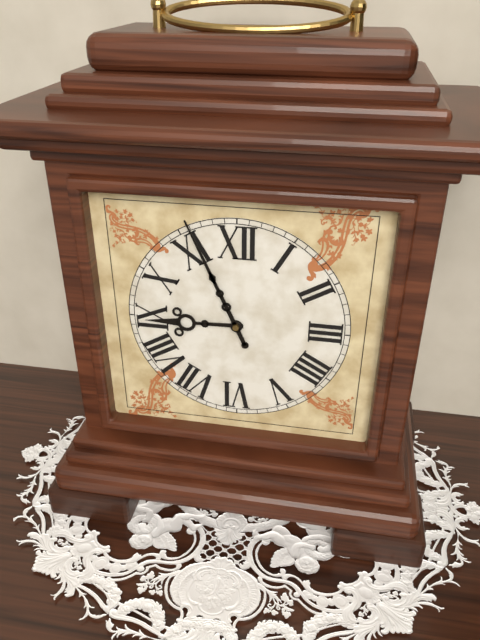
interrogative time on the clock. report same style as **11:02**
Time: **8:56**
